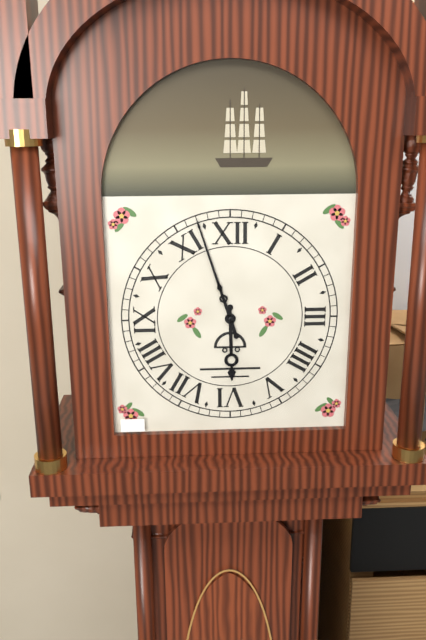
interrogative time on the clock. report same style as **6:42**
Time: **5:57**
